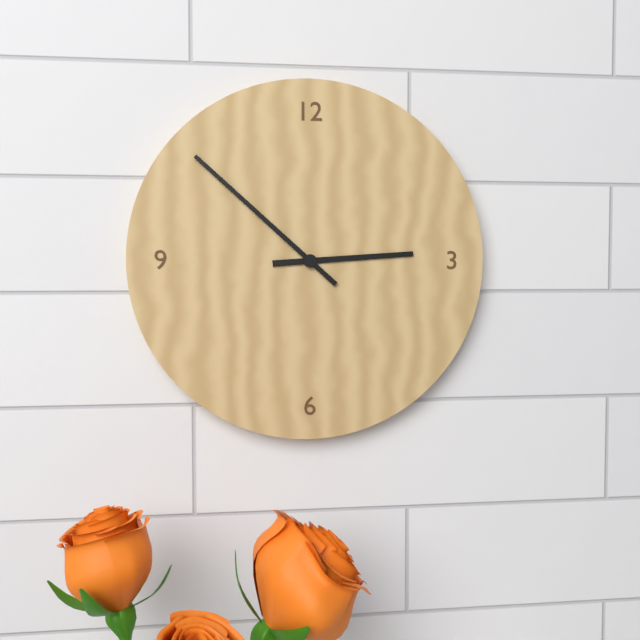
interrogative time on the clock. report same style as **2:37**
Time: **2:52**
